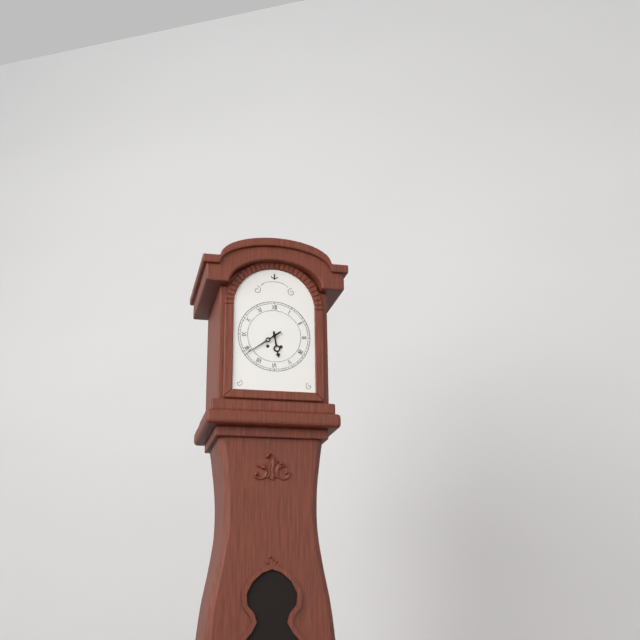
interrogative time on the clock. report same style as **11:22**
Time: **5:39**
